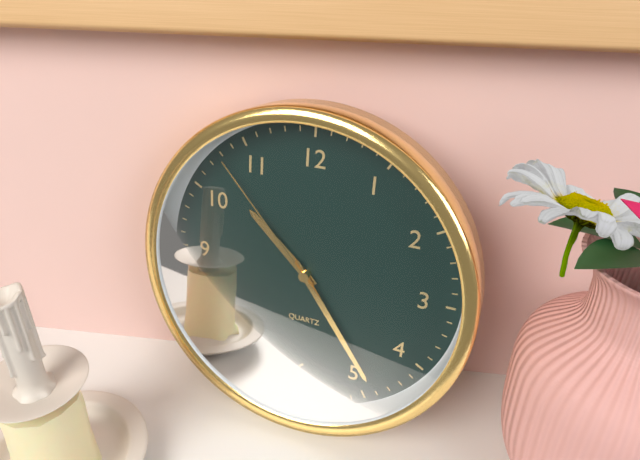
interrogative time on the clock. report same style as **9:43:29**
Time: **10:24:53**
